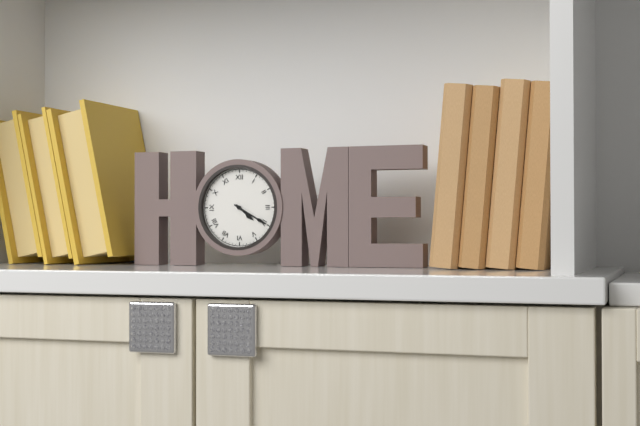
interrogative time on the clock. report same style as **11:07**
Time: **4:20**
